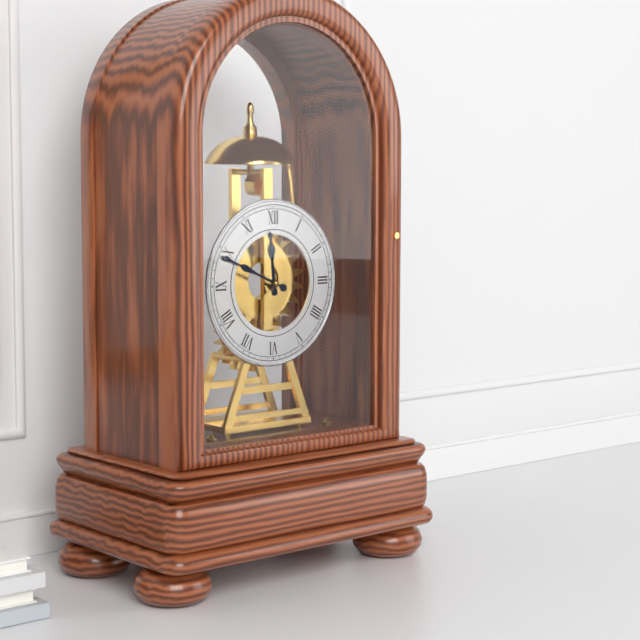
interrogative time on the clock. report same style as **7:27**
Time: **11:49**
